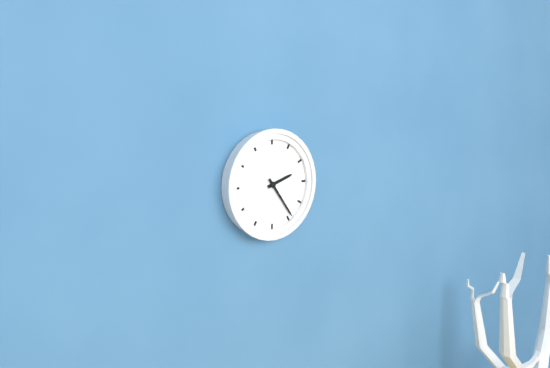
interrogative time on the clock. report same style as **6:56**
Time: **2:24**
